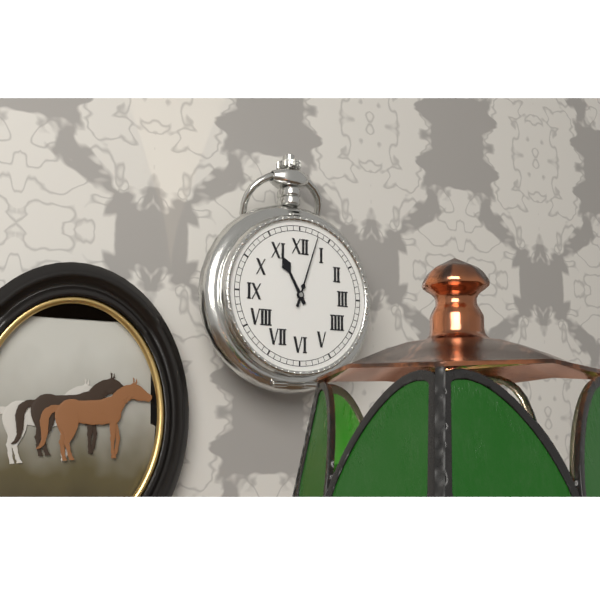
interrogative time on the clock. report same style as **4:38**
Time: **11:03**
